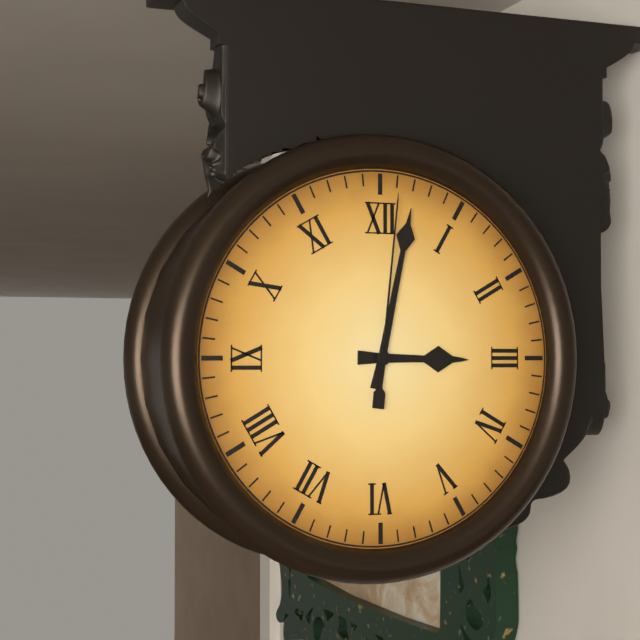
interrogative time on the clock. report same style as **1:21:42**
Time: **3:02:01**
